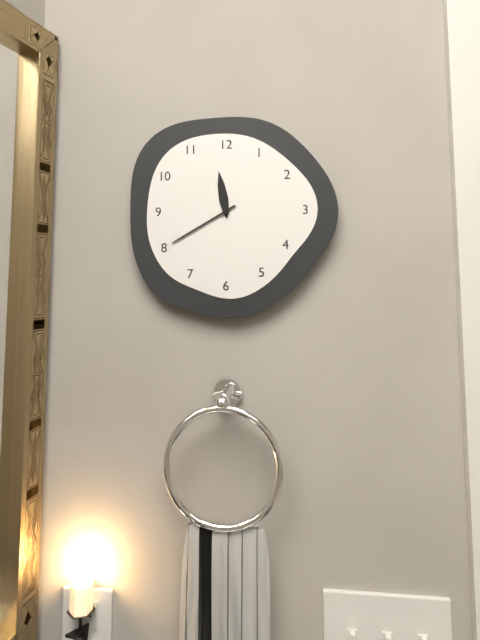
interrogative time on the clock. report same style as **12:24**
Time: **11:40**
